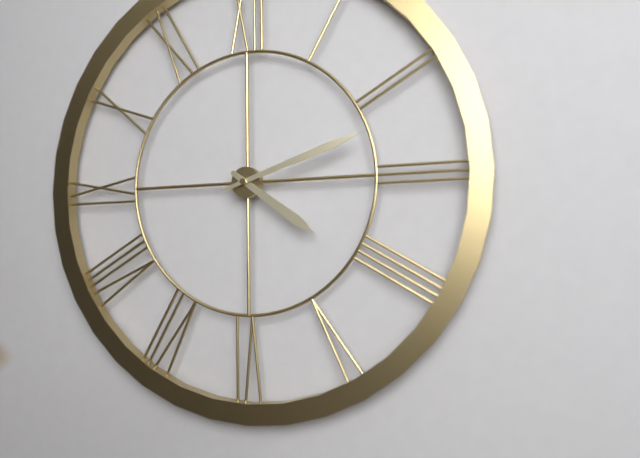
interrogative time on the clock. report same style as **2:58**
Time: **4:12**
